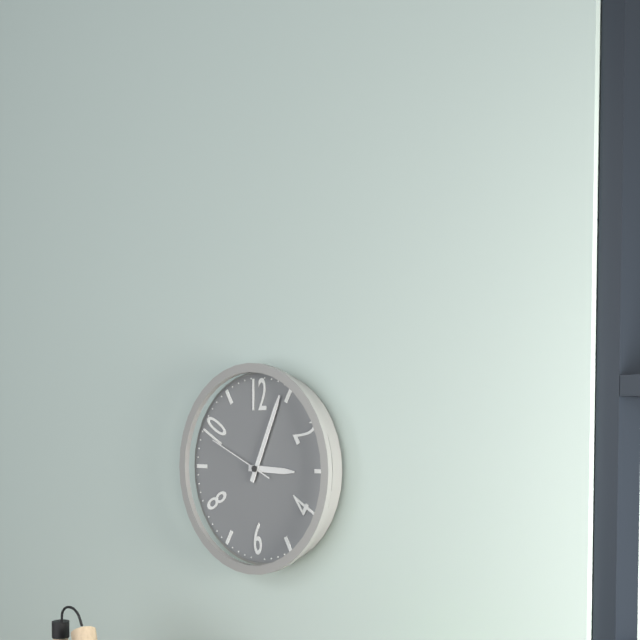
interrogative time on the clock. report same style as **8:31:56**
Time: **3:04:49**
